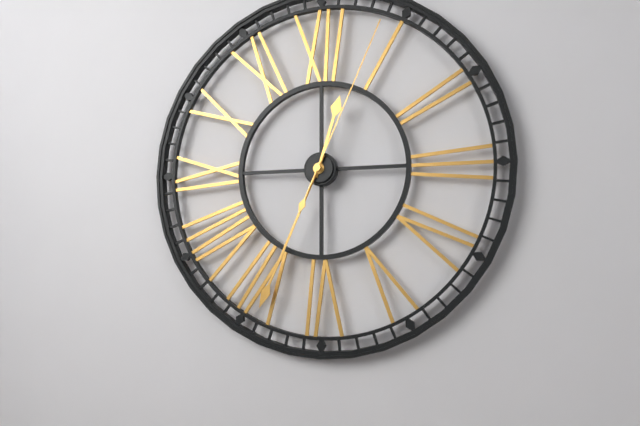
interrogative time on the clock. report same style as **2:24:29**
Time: **12:34:04**
